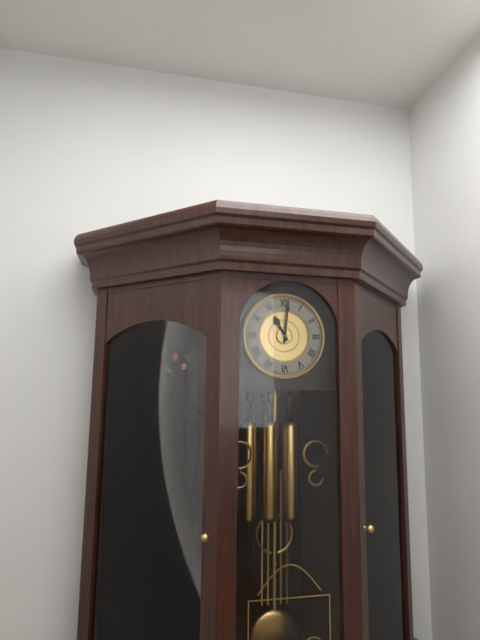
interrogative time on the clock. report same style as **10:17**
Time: **11:01**
